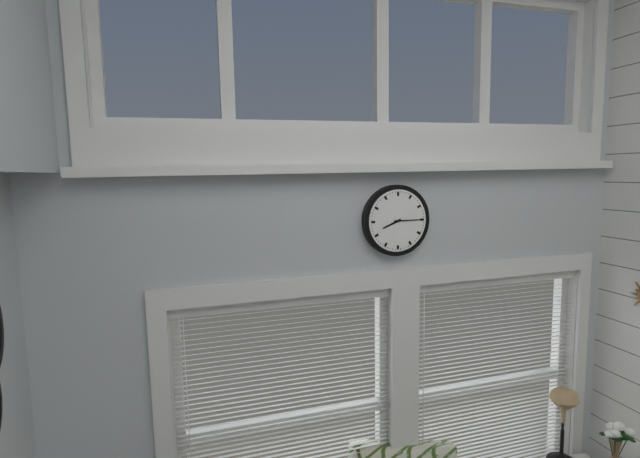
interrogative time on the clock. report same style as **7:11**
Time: **8:15**
